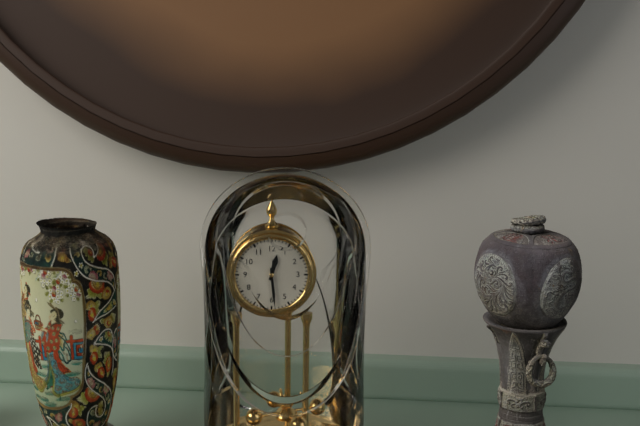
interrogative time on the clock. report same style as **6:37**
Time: **12:29**
